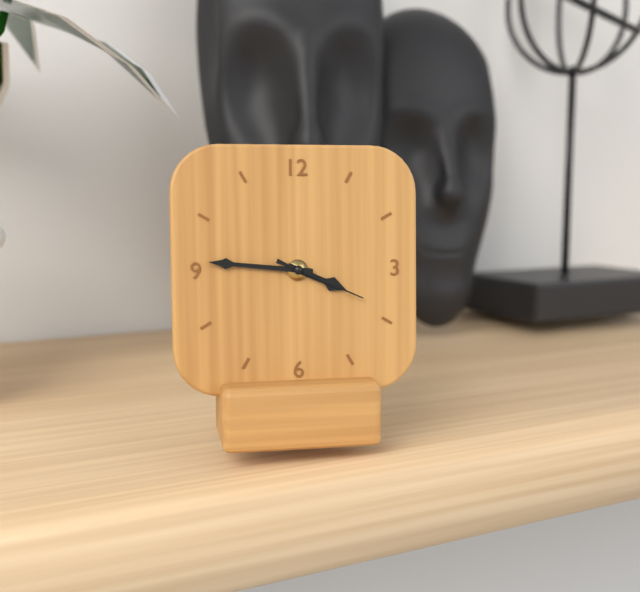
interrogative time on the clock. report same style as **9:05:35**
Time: **3:46:19**
